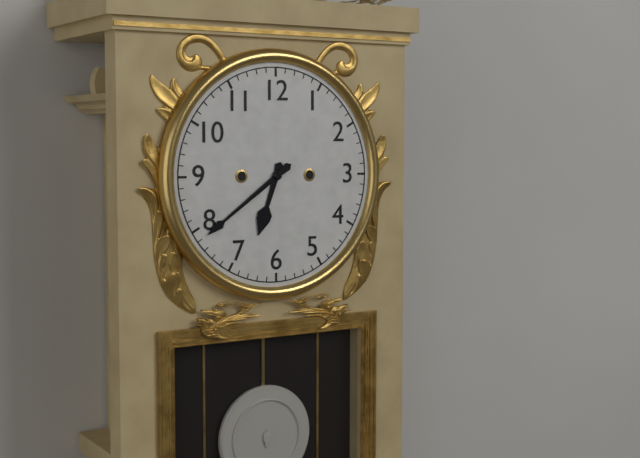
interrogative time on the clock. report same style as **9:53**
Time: **6:39**
